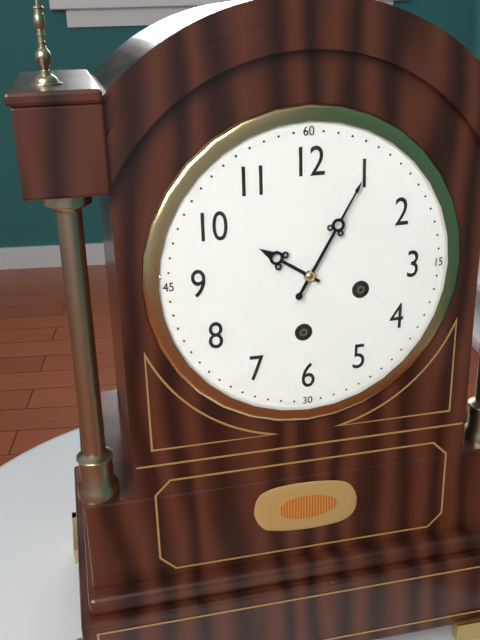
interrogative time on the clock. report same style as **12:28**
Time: **10:05**
